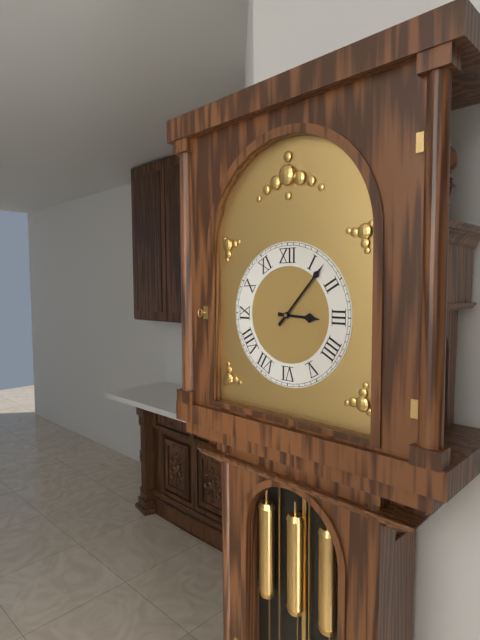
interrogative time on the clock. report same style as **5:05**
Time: **3:07**
